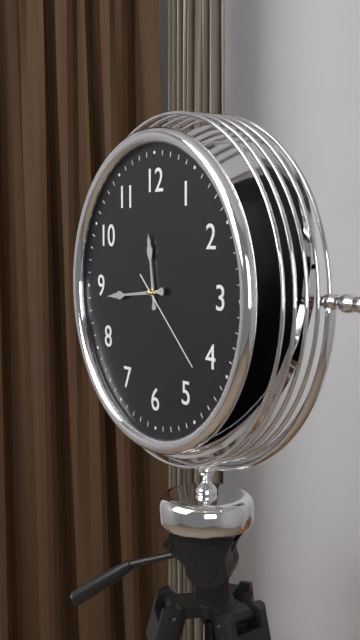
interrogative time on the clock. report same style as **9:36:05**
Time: **11:44:22**
